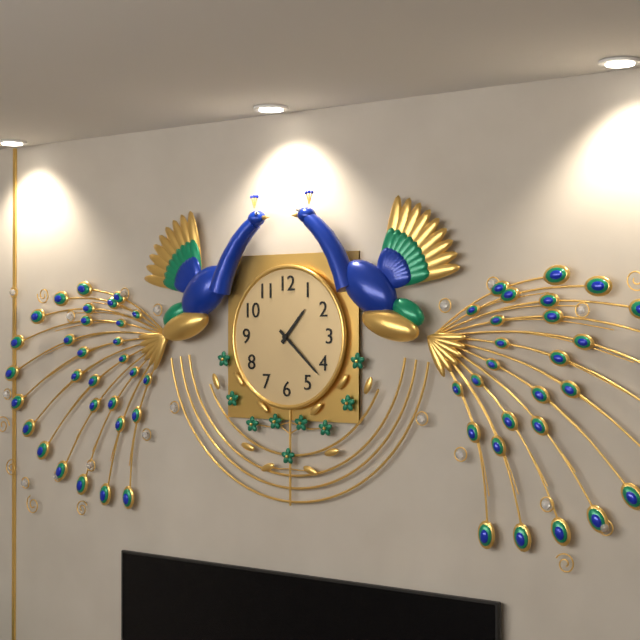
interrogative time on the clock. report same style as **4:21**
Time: **1:22**
